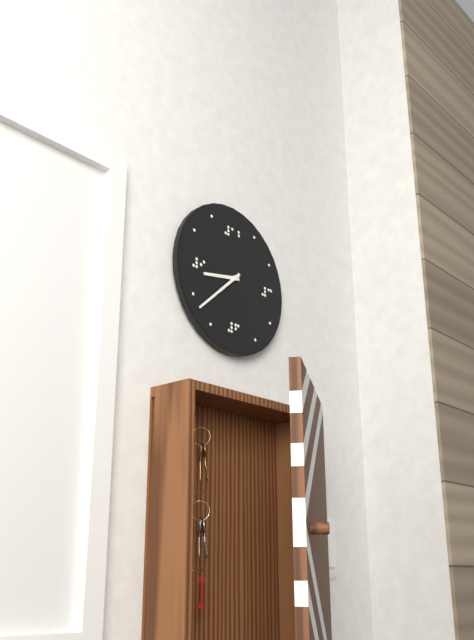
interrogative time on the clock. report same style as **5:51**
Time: **8:38**
